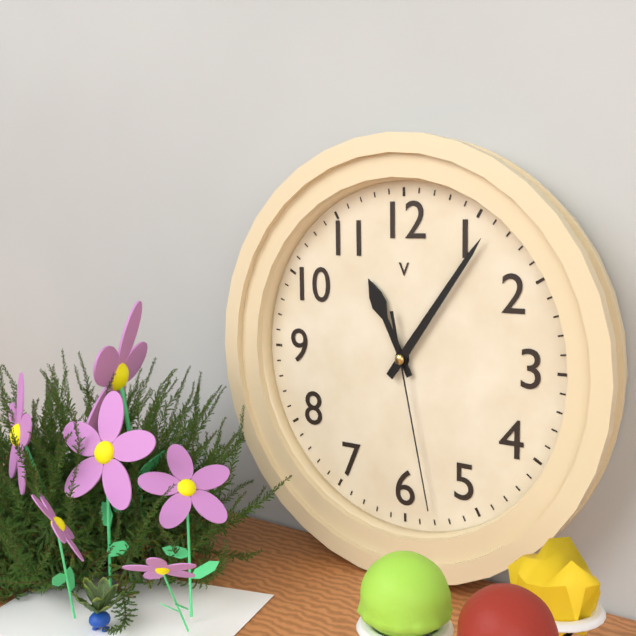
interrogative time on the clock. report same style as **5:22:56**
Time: **11:06:28**
